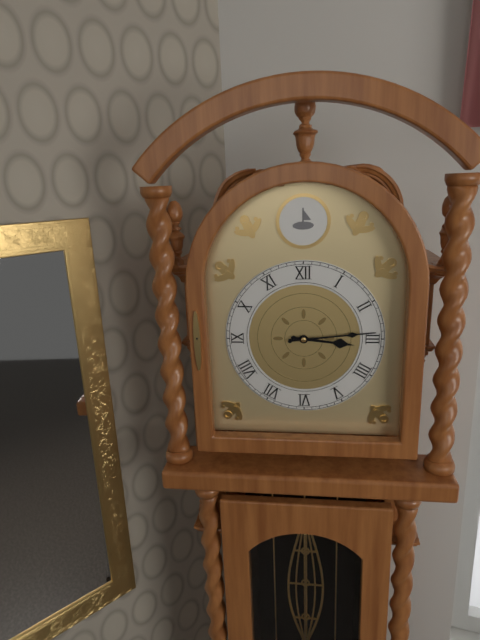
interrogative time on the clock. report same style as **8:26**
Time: **3:14**
